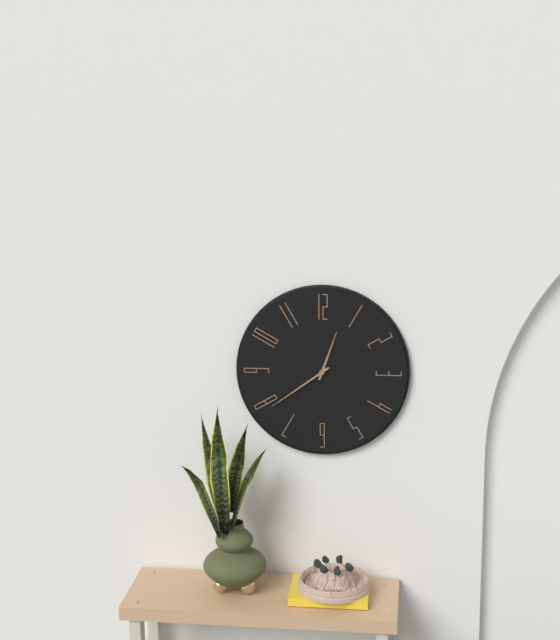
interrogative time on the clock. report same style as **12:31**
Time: **12:39**
